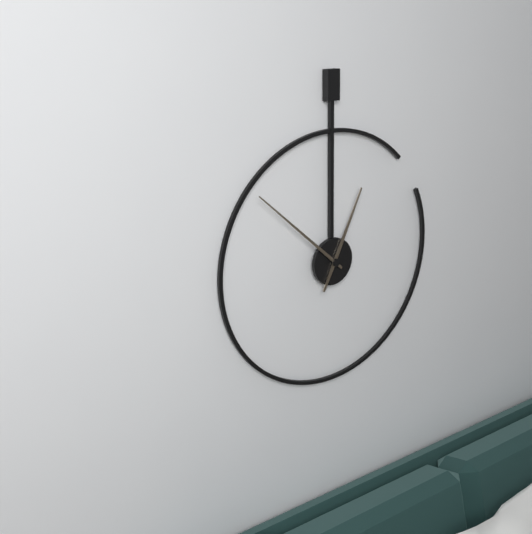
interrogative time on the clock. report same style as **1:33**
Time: **12:52**
